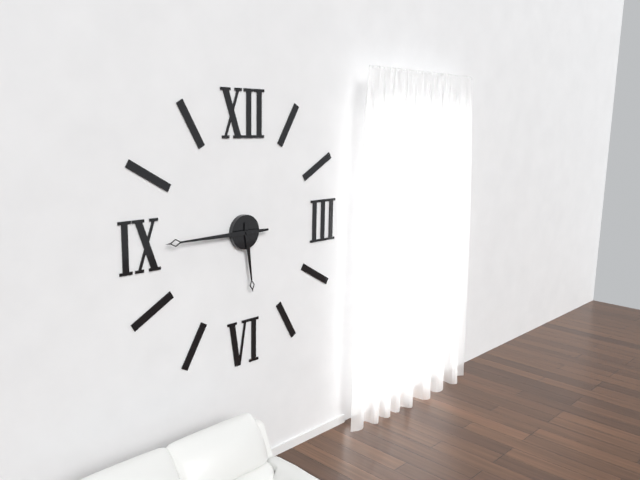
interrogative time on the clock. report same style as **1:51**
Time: **5:45**
